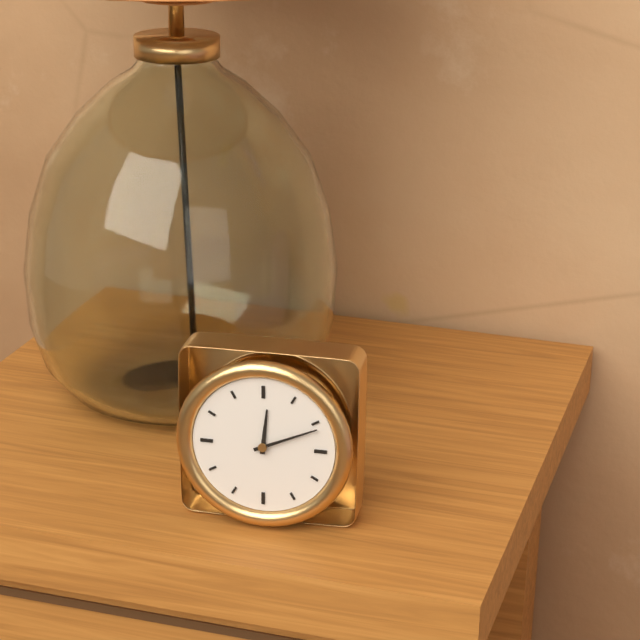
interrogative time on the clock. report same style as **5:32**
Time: **12:11**
